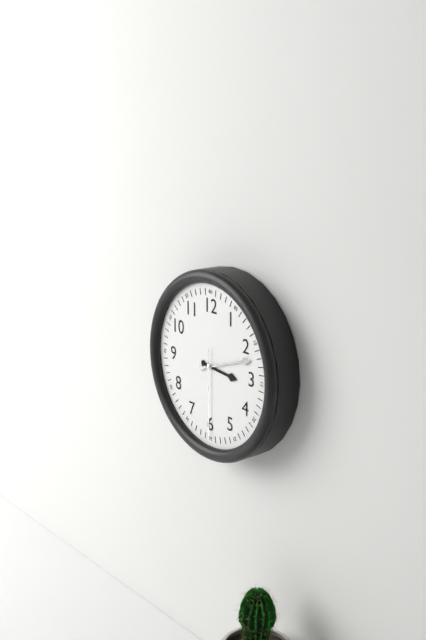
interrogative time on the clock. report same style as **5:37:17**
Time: **3:12:30**
